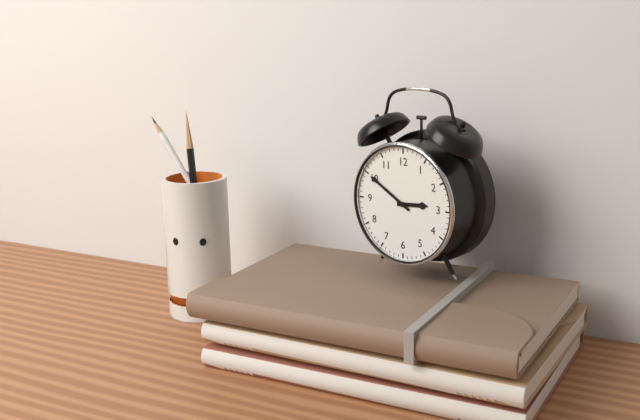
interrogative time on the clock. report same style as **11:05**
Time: **2:50**
